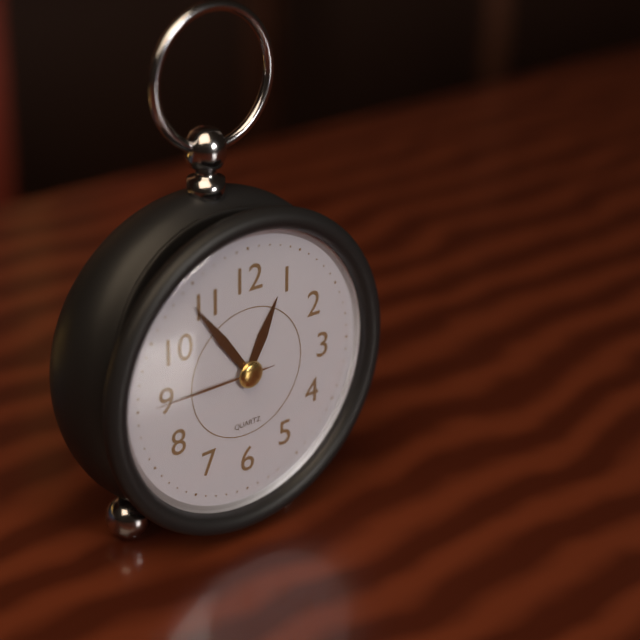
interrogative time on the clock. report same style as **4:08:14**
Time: **12:54:45**
